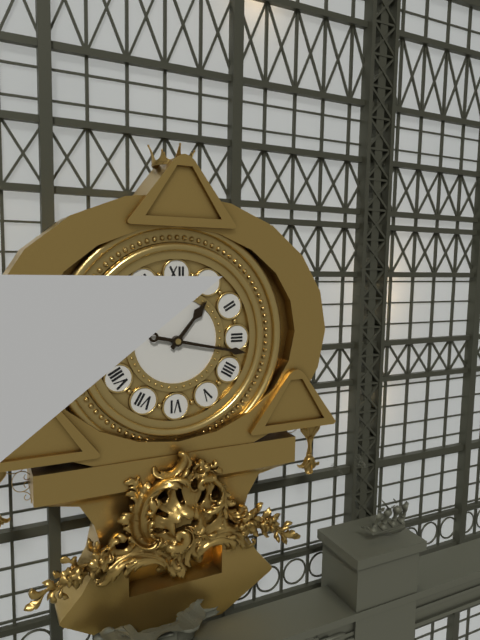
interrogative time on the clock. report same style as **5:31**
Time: **1:17**
